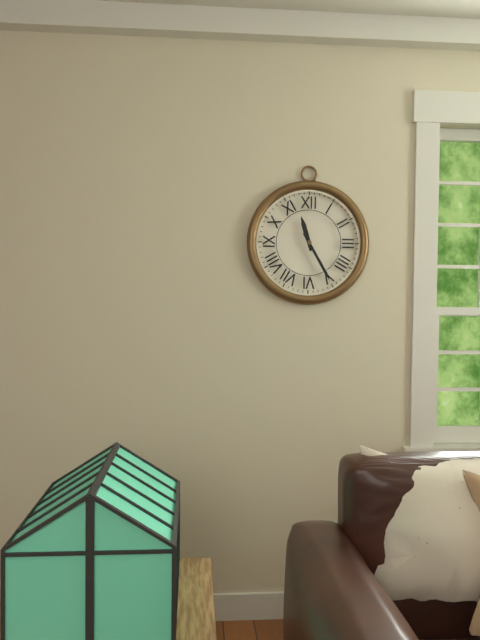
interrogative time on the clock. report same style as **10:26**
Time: **11:25**
